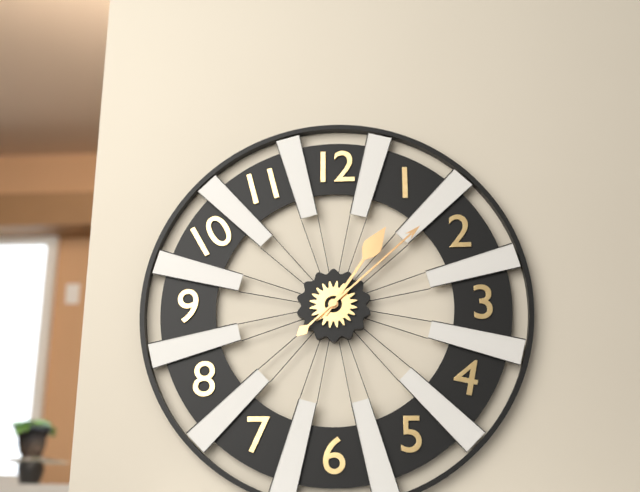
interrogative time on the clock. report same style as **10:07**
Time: **1:08**
